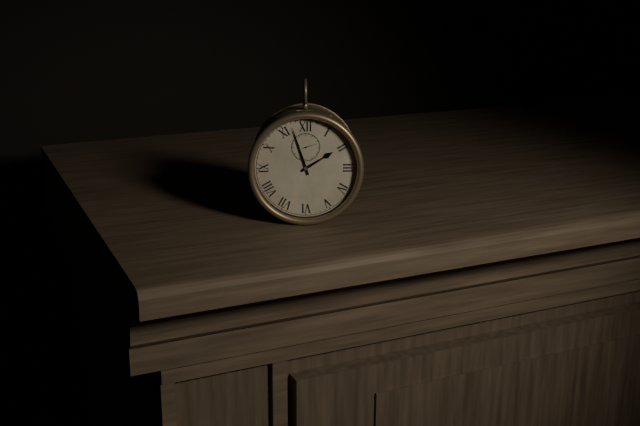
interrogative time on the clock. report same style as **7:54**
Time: **1:57**
